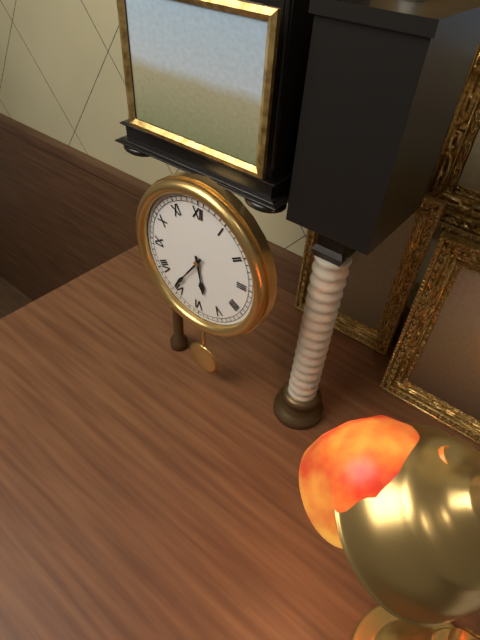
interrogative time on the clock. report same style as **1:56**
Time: **5:36**
